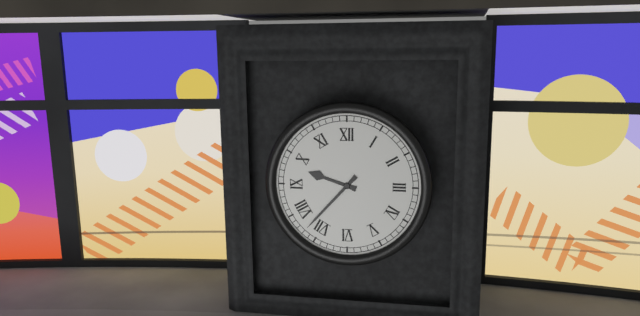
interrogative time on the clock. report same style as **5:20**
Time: **9:37**
